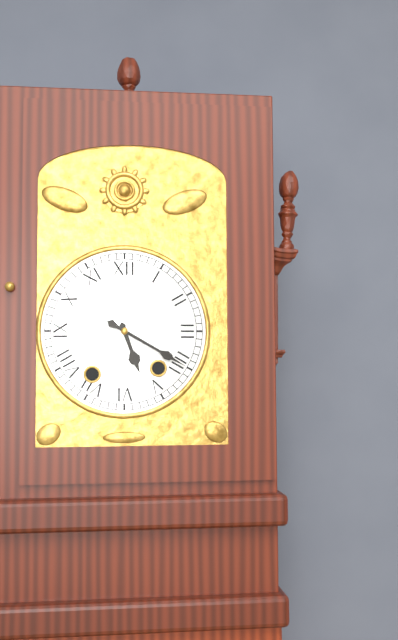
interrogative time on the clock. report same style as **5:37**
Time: **5:20**
